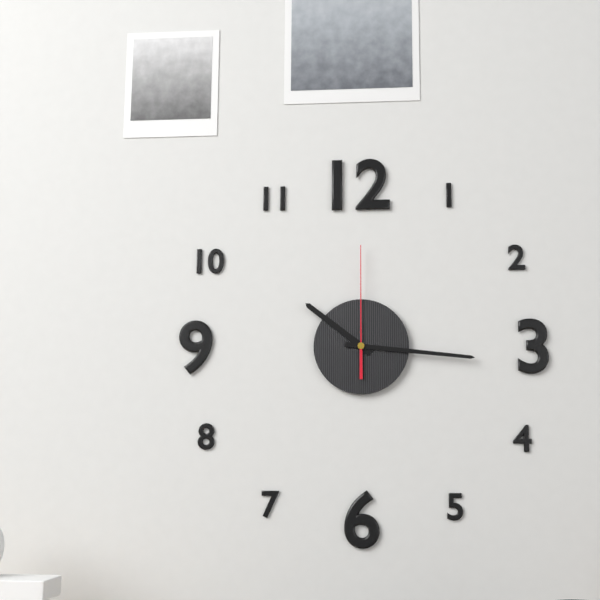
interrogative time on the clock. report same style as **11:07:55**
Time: **10:16:00**
